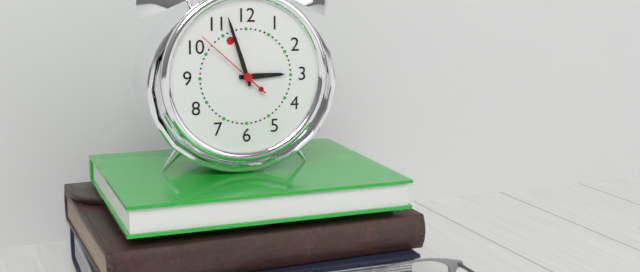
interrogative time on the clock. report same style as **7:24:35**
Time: **2:57:52**
